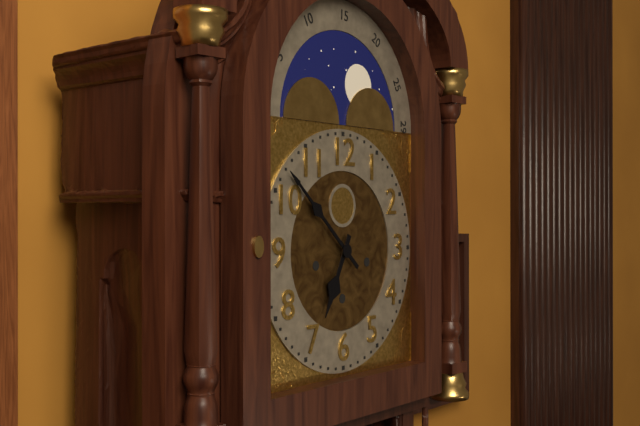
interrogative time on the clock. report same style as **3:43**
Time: **6:52**
